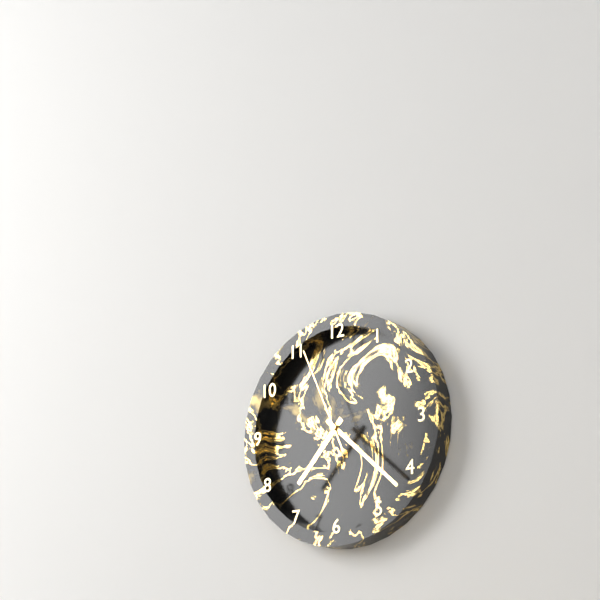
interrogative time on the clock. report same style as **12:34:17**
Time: **7:22:56**
